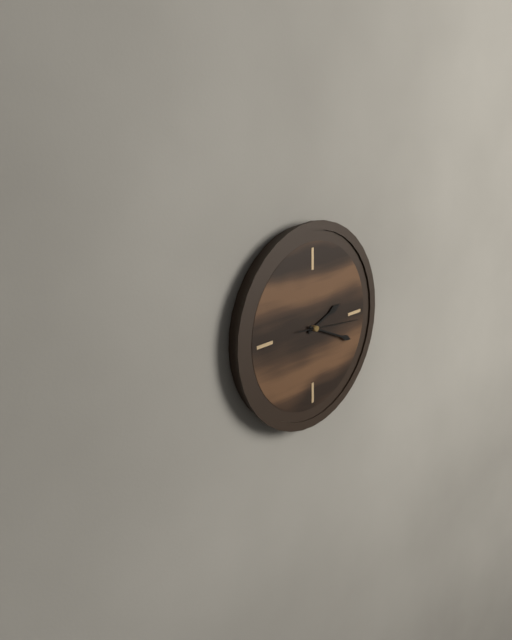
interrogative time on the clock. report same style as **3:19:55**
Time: **2:19:16**
